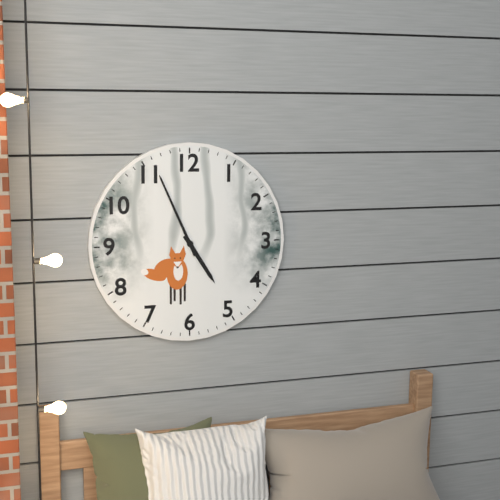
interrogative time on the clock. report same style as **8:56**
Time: **4:56**
